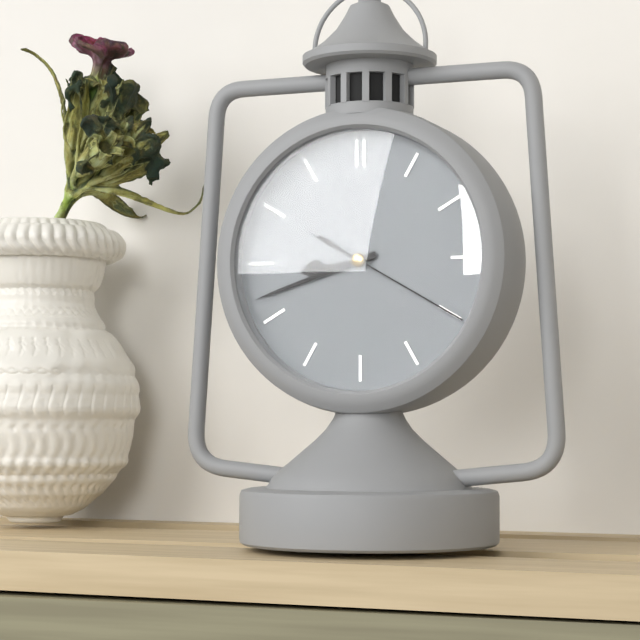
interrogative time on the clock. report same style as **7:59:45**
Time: **8:42:20**
